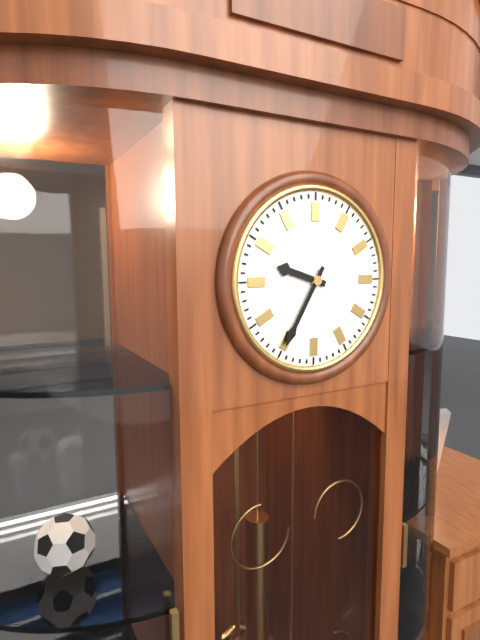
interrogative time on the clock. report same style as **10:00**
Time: **9:35**
